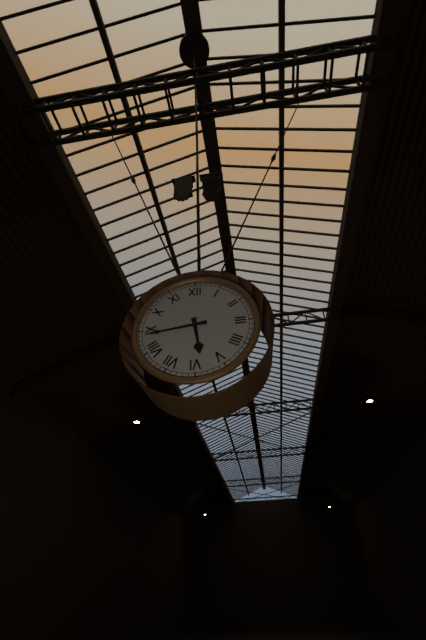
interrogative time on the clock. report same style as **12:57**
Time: **5:44**
